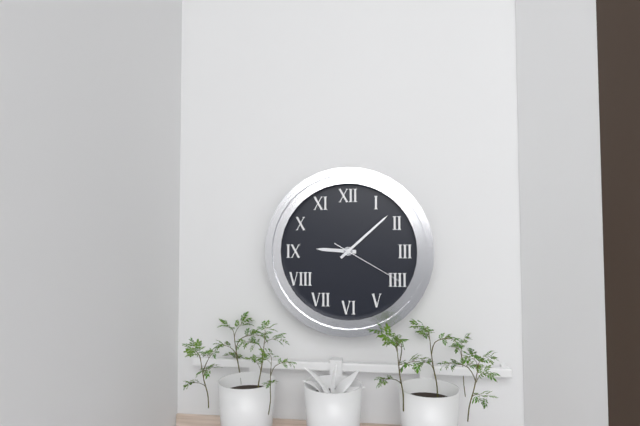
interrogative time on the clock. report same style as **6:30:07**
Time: **9:08:20**
